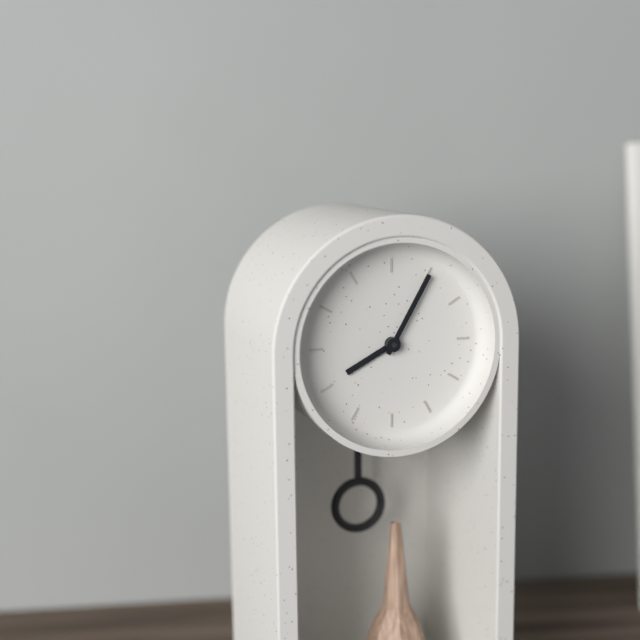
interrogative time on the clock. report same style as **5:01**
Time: **8:05**
